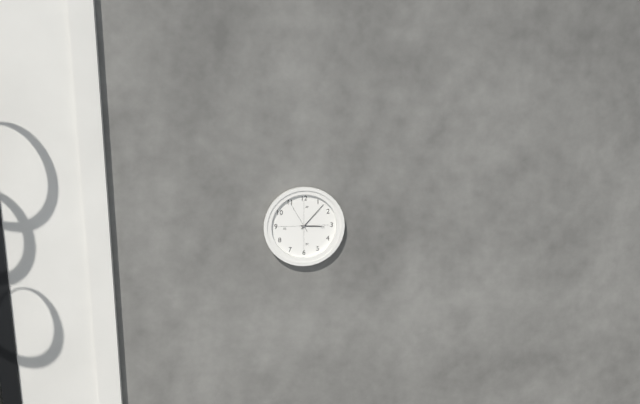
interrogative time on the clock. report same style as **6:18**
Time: **3:07**
